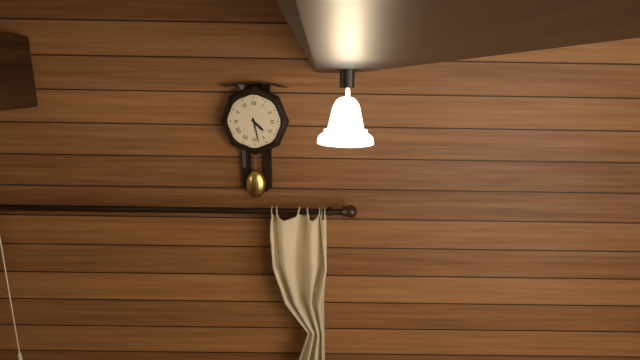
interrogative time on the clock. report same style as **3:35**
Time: **4:28**
